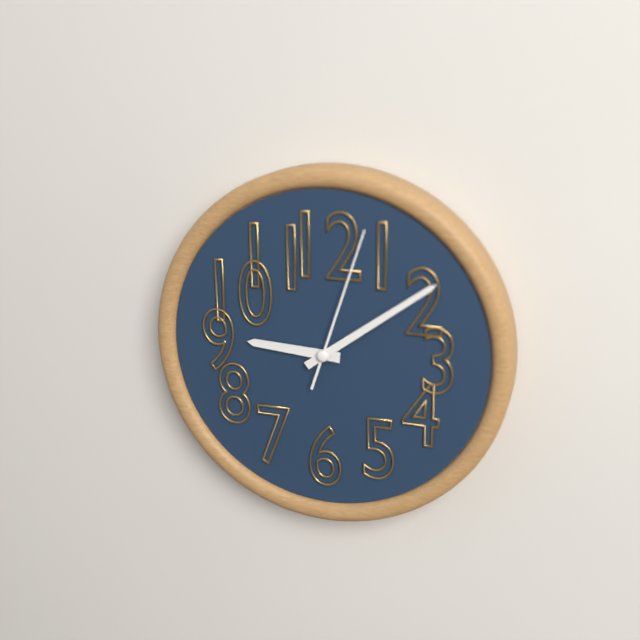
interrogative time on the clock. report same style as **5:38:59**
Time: **9:09:03**
